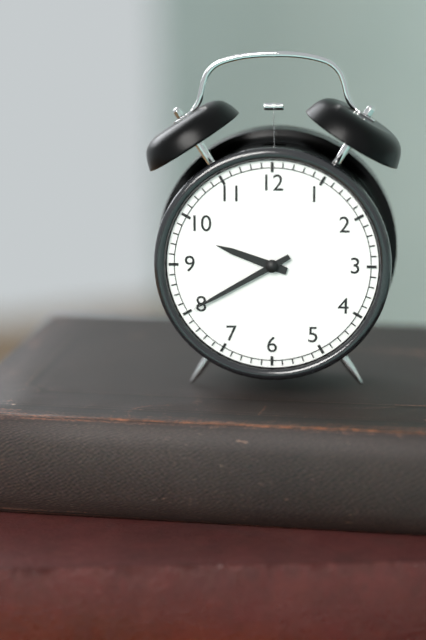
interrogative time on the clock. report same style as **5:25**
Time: **9:40**
